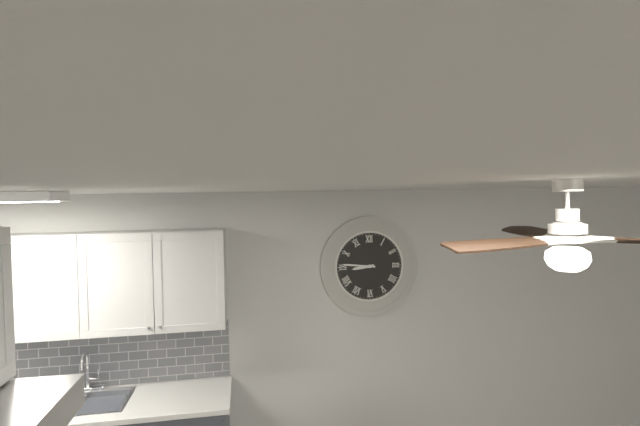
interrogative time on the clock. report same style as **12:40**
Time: **8:46**
